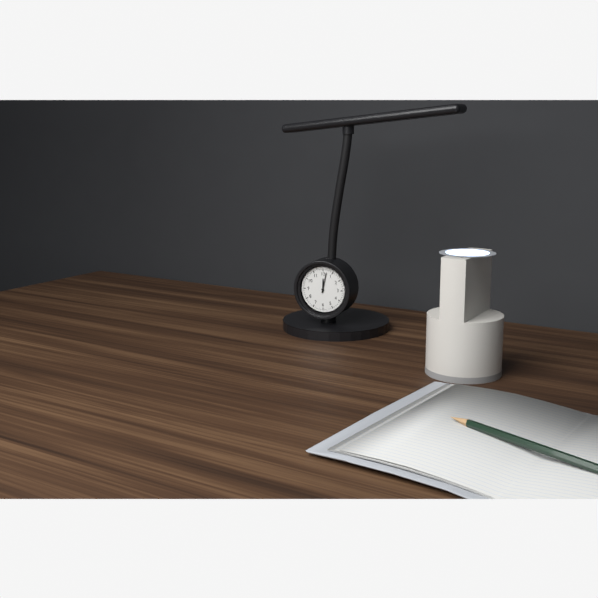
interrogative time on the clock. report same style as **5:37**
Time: **12:02**
